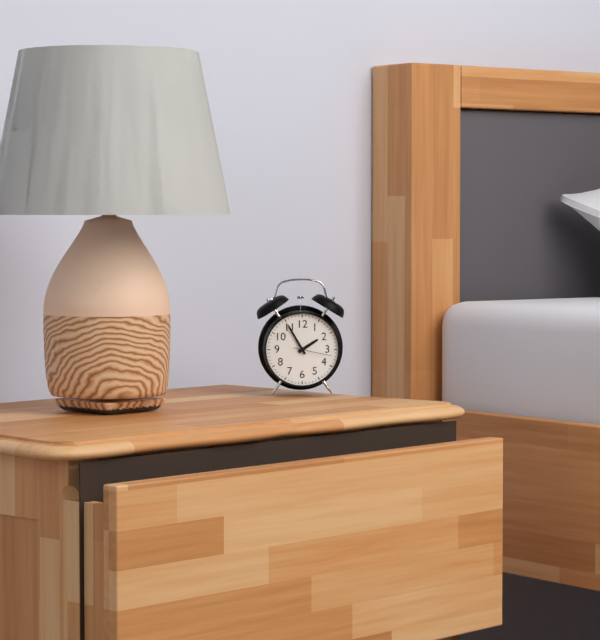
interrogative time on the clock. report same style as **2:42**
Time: **1:55**
